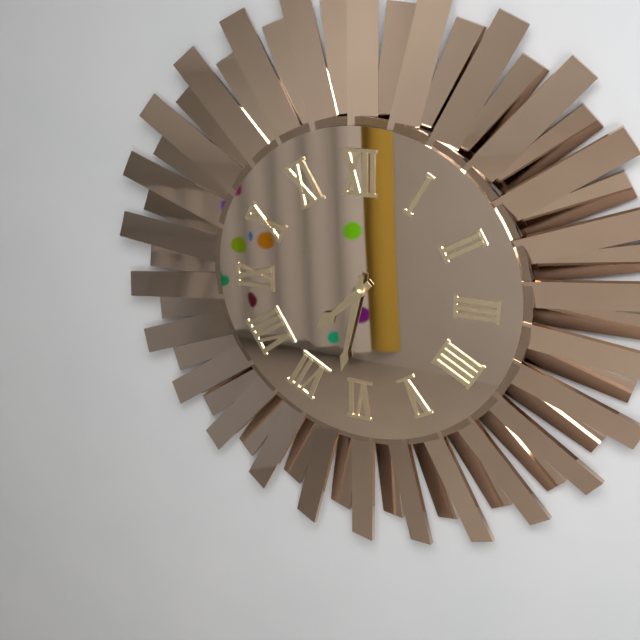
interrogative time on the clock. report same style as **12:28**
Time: **7:32**
